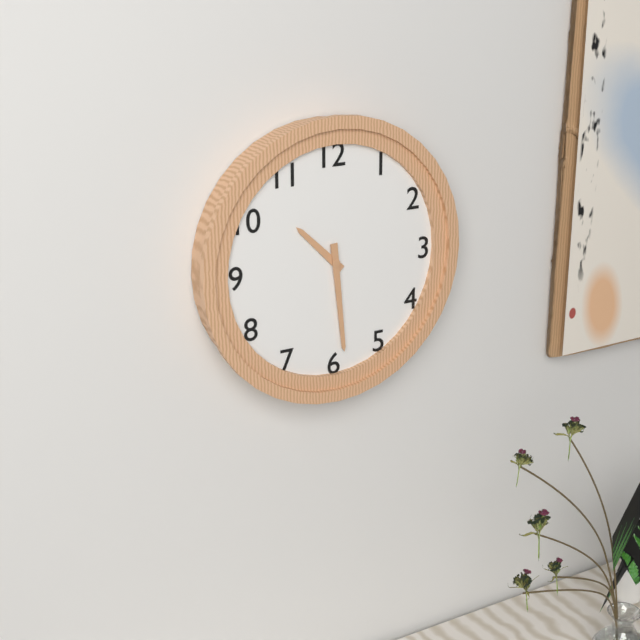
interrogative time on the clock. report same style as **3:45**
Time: **10:29**
